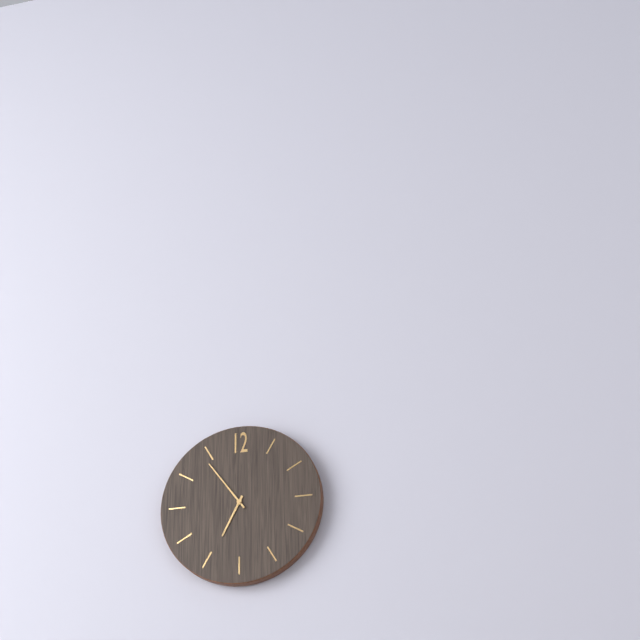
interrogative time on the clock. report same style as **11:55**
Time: **6:54**
